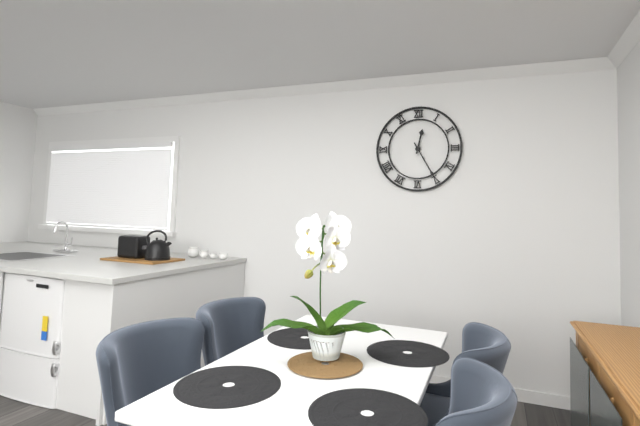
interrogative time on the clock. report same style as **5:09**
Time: **12:25**
